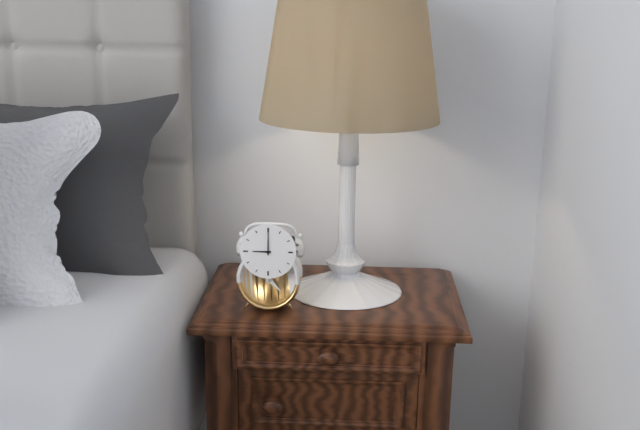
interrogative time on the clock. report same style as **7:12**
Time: **9:00**
